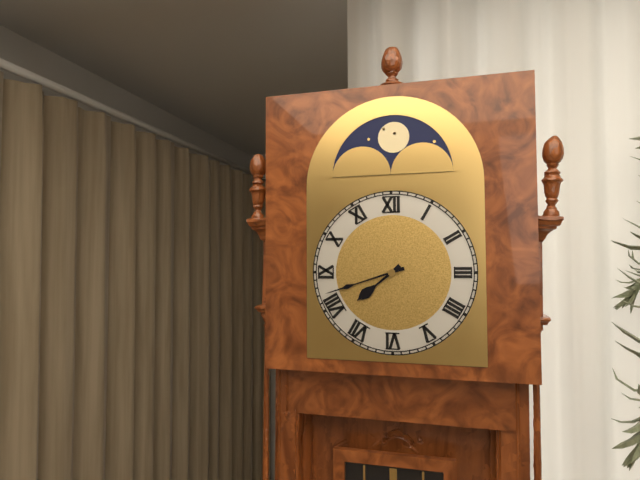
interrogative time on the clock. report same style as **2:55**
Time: **7:42**
